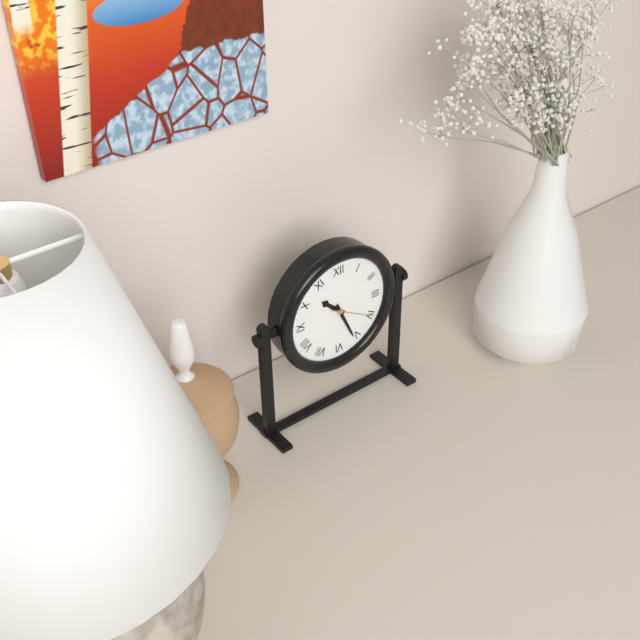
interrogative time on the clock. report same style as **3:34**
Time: **10:26**
